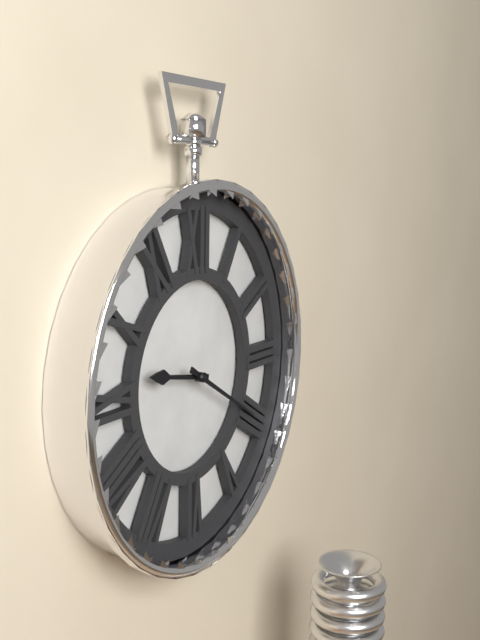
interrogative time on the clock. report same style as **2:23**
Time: **9:20**
